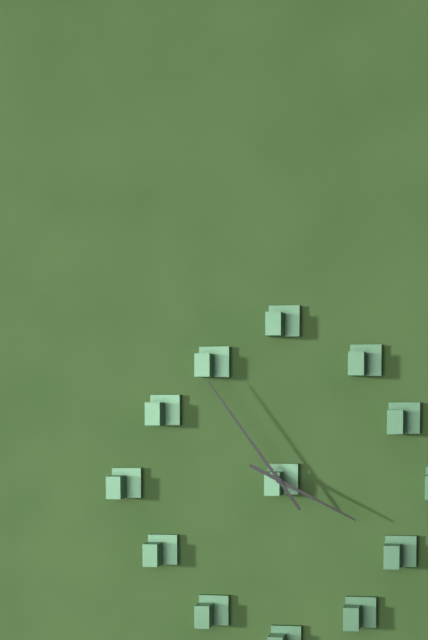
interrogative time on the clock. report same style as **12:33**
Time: **3:54**
